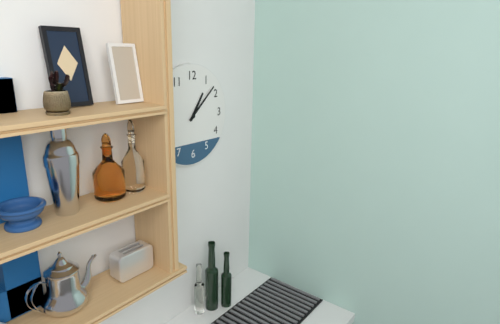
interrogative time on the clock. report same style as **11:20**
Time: **1:08**
